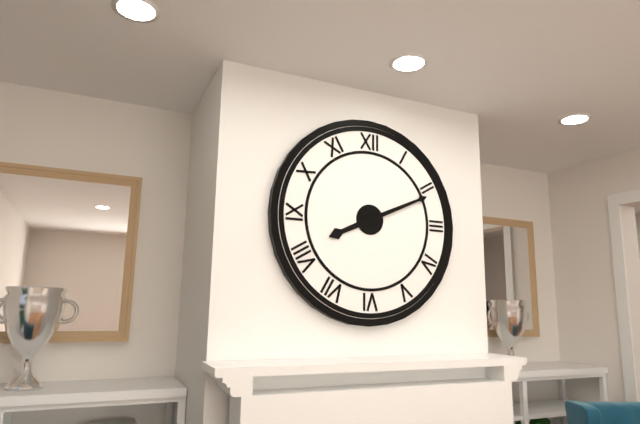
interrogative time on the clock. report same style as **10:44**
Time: **8:11**
